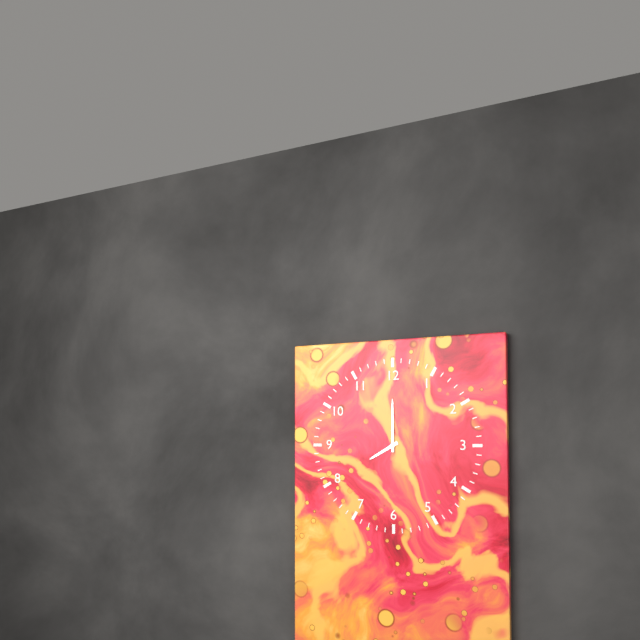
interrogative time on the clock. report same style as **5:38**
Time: **8:00**
